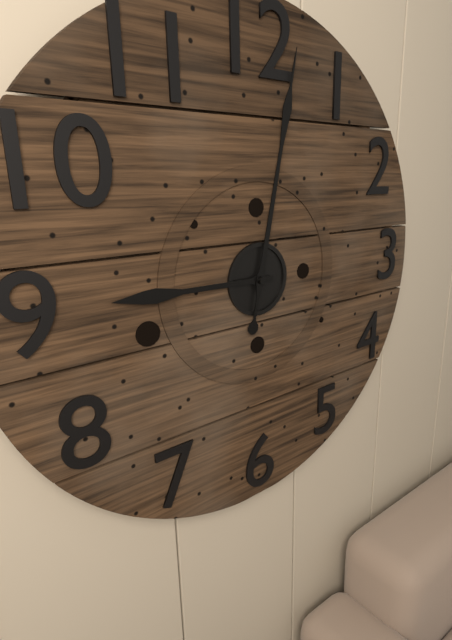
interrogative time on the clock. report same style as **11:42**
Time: **9:02**
